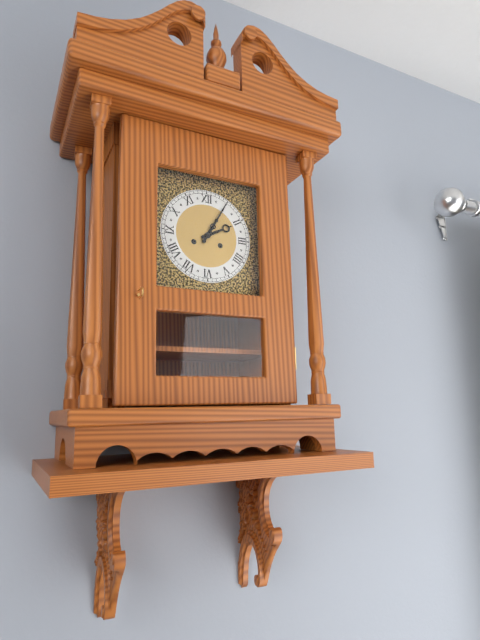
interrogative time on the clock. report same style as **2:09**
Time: **2:05**
